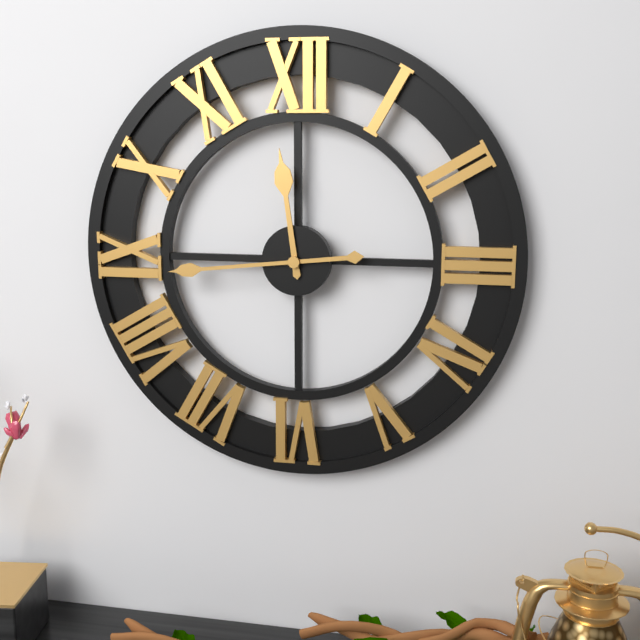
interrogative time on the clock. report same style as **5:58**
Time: **11:44**
